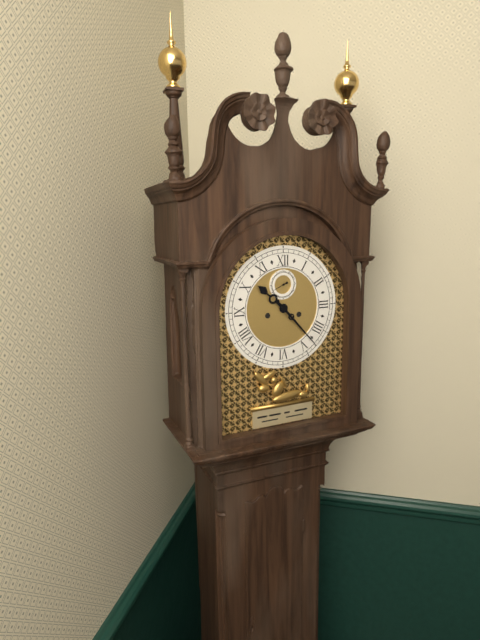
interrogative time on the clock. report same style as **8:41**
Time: **10:23**
